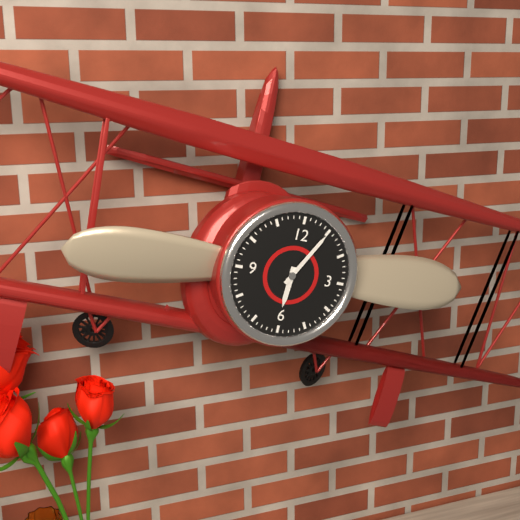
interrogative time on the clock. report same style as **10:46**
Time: **6:05**
